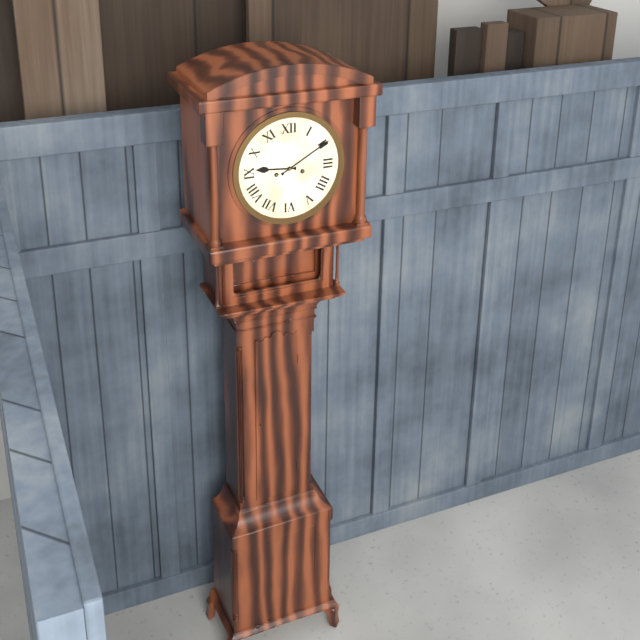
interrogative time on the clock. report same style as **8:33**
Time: **9:10**
